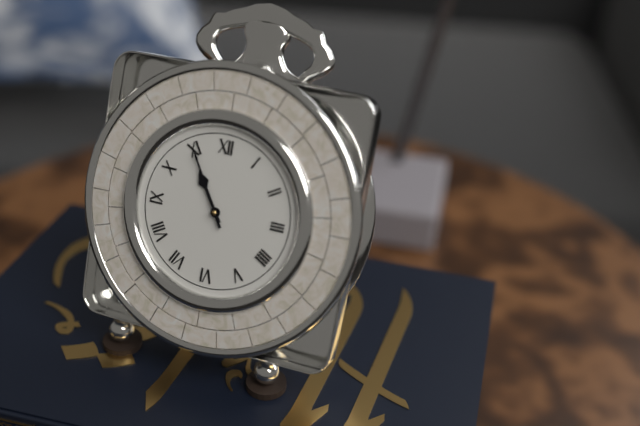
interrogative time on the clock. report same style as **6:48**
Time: **10:55**
